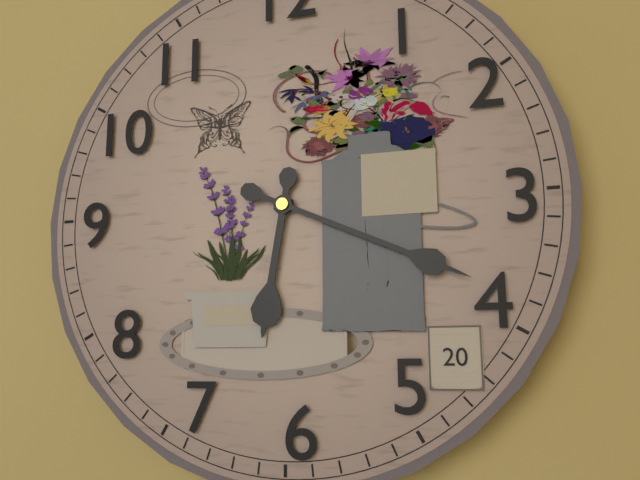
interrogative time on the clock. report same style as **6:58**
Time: **6:19**
